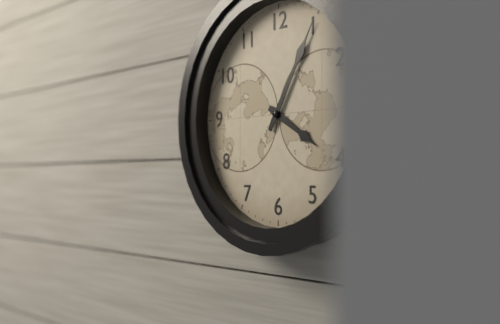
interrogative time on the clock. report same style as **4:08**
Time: **4:05**
